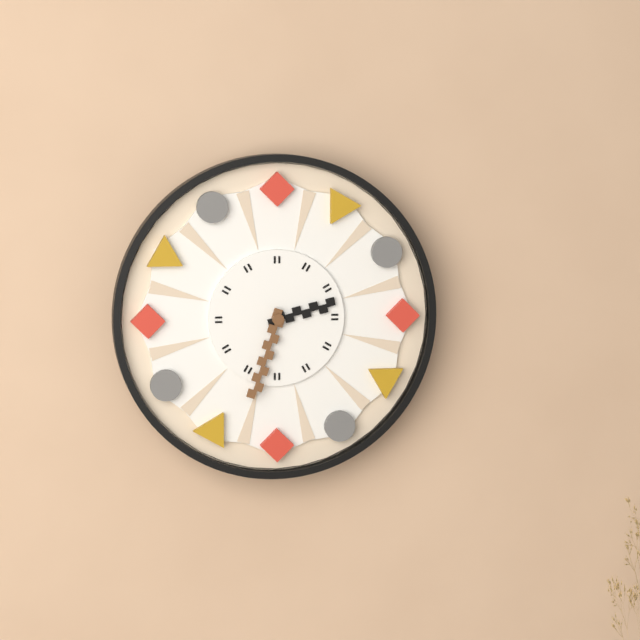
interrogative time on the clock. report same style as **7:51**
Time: **2:33**
